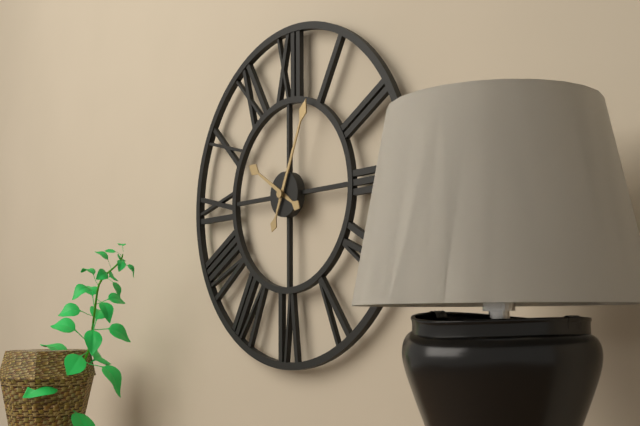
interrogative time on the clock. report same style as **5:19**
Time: **10:04**
